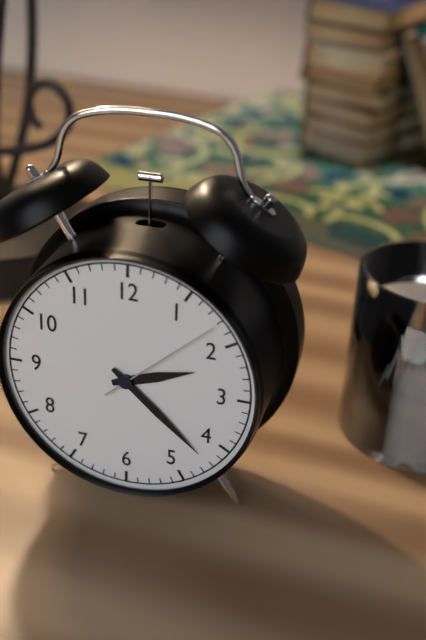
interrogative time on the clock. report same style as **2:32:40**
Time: **2:22:08**
